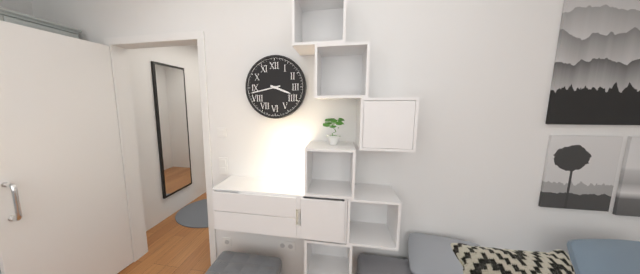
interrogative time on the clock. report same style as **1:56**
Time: **3:43**
